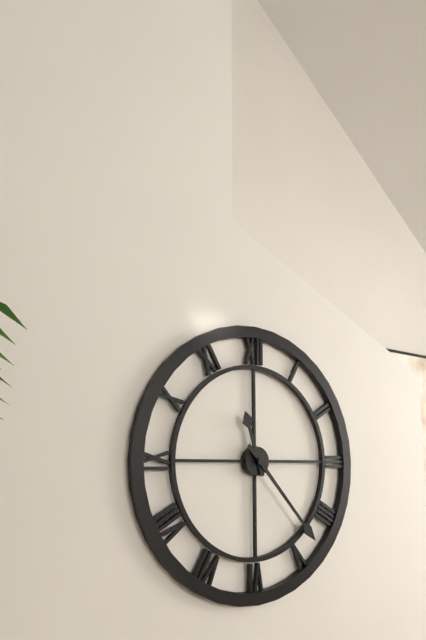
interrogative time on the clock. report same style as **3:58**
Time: **11:23**
